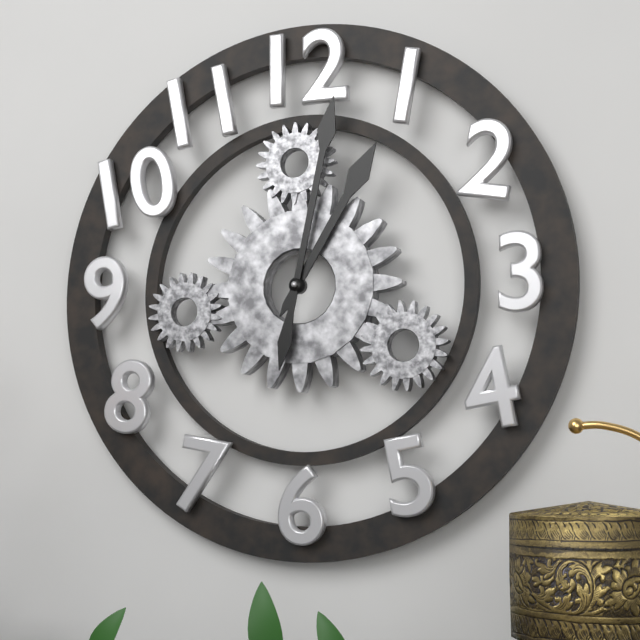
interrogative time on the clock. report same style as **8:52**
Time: **1:02**
